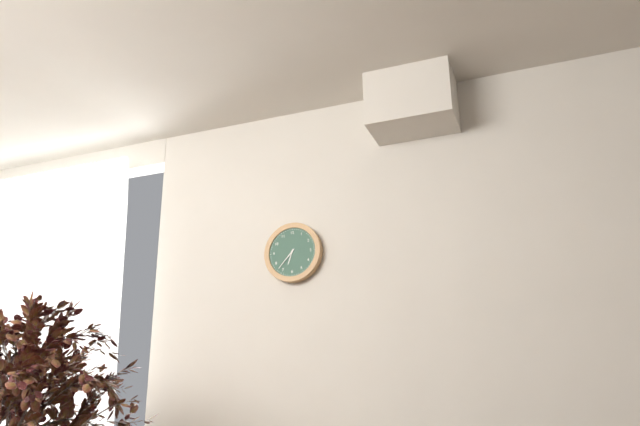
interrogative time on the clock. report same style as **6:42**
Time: **6:37**
